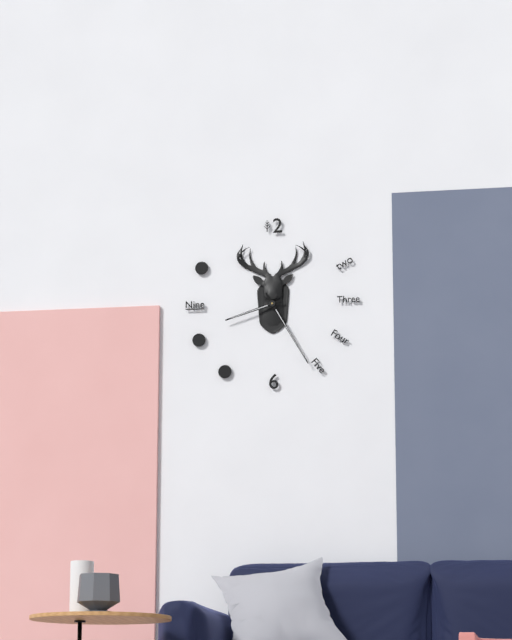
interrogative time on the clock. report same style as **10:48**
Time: **8:25**
